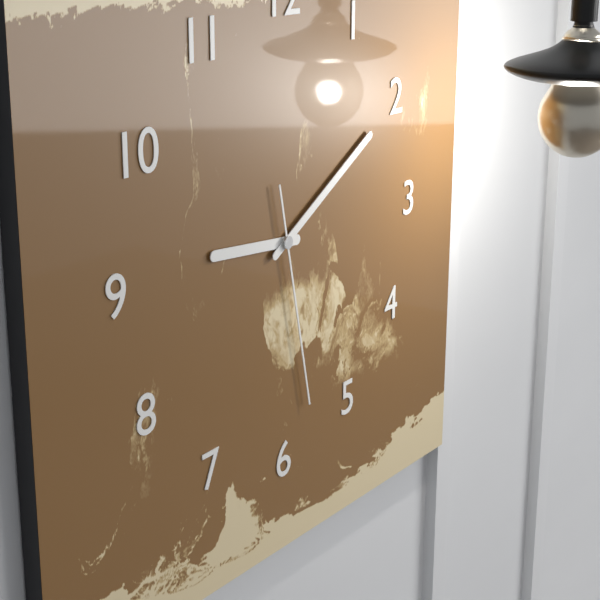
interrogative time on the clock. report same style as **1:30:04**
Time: **9:10:28**
